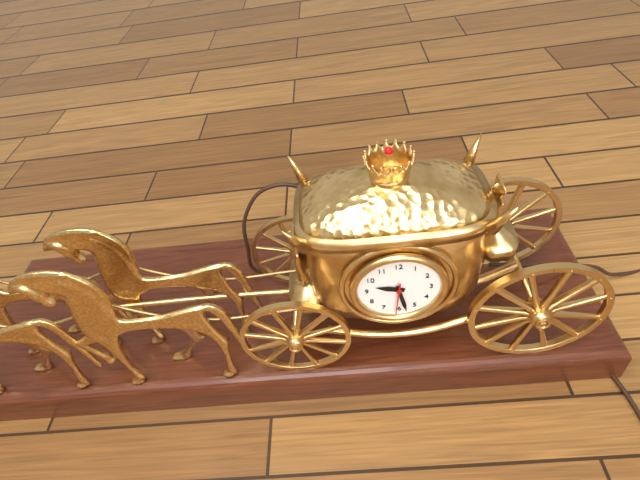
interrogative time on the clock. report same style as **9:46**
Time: **9:28**
